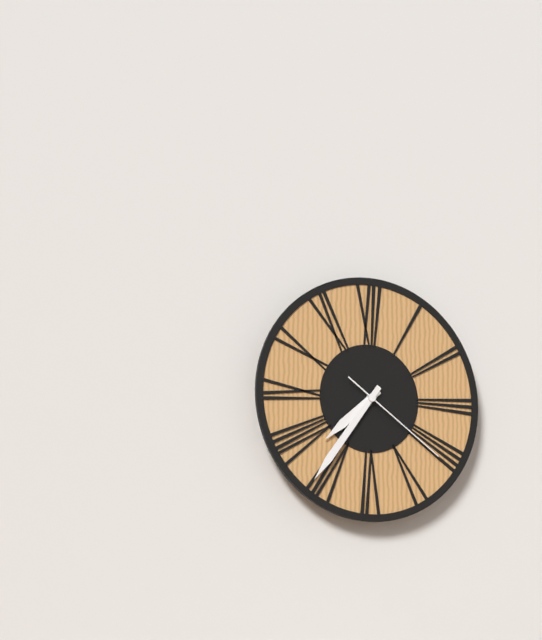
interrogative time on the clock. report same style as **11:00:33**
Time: **7:36:21**
